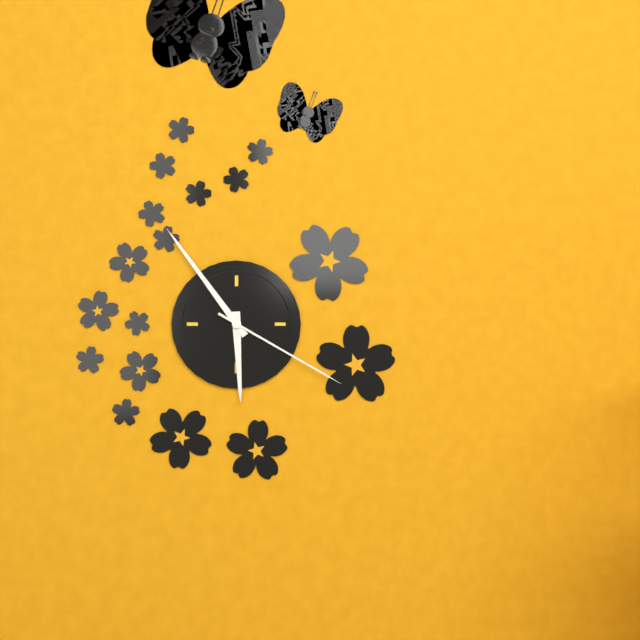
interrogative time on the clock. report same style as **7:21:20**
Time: **5:54:20**
